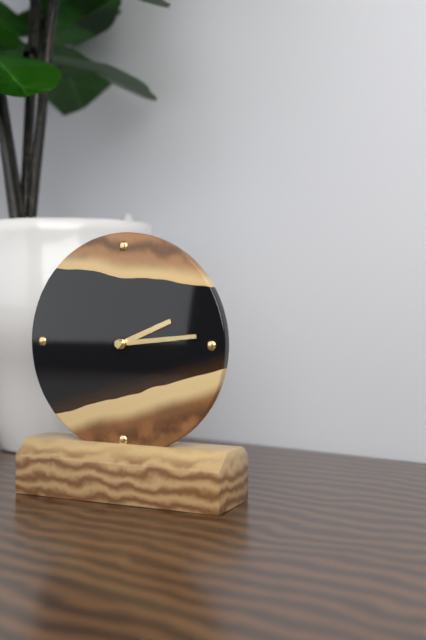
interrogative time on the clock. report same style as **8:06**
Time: **2:14**
